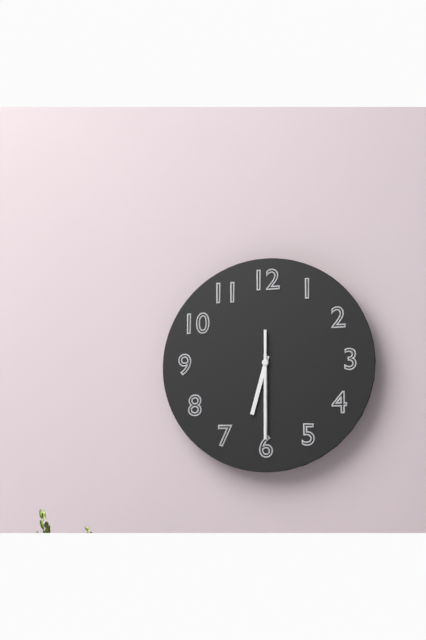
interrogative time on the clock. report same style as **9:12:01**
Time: **6:30:30**
